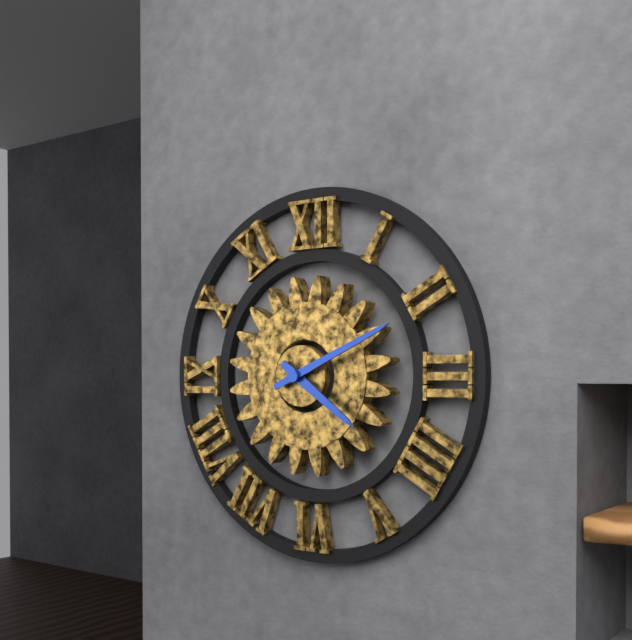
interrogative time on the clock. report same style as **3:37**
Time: **4:11**
